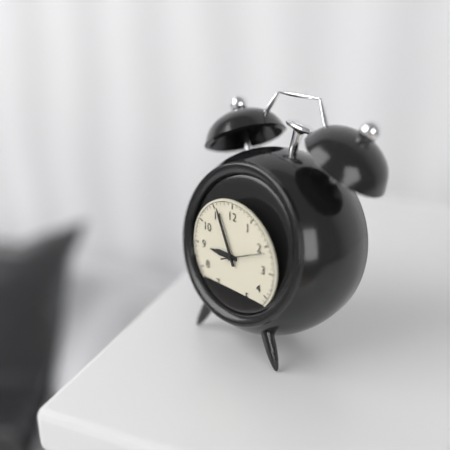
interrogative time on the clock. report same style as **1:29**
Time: **8:56**
